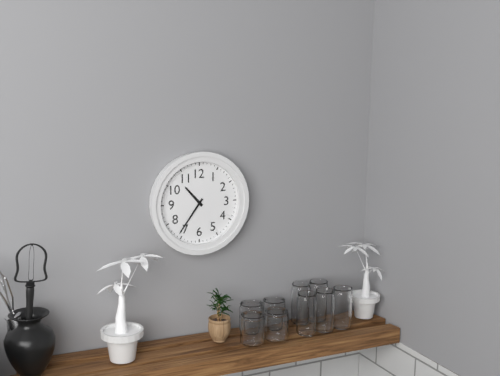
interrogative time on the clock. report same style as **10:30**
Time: **10:36**
